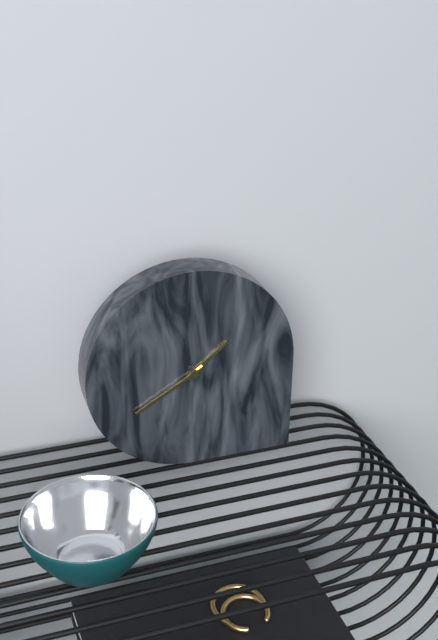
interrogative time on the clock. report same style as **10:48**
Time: **1:40**
